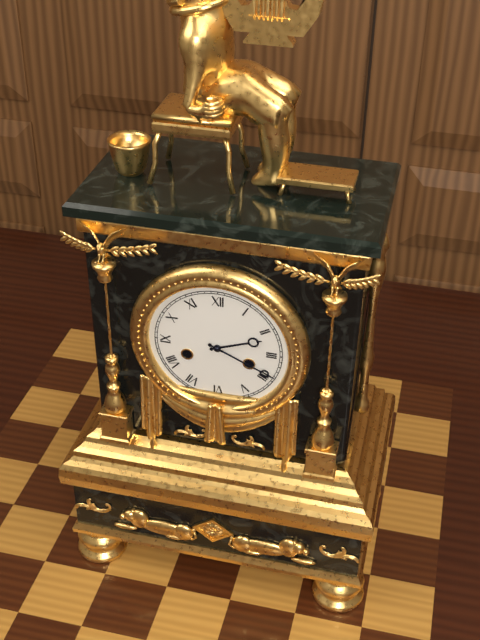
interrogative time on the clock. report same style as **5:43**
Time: **2:19**
